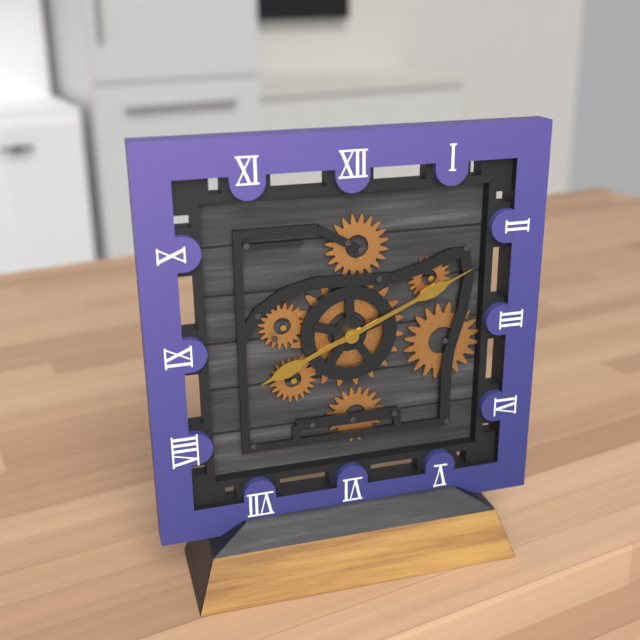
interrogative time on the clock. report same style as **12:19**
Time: **8:11**
